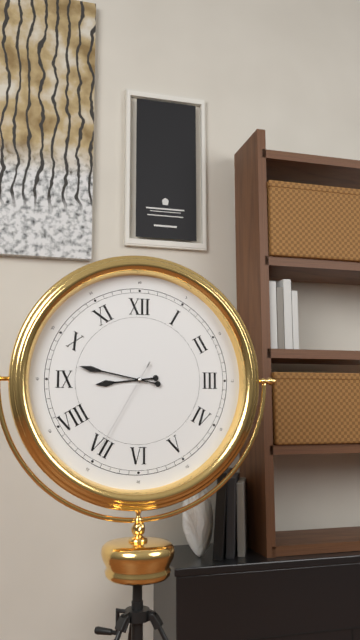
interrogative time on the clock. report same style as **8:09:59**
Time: **8:47:35**
